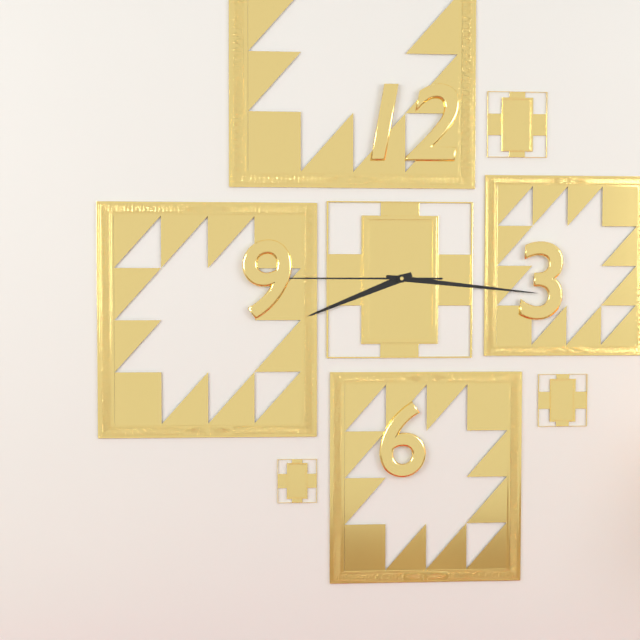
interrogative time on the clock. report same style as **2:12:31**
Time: **8:16:45**
